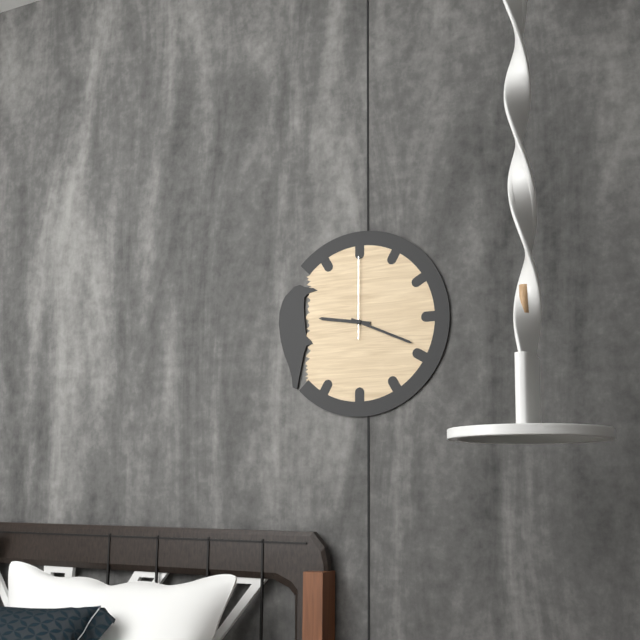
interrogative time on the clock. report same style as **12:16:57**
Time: **9:19:00**
